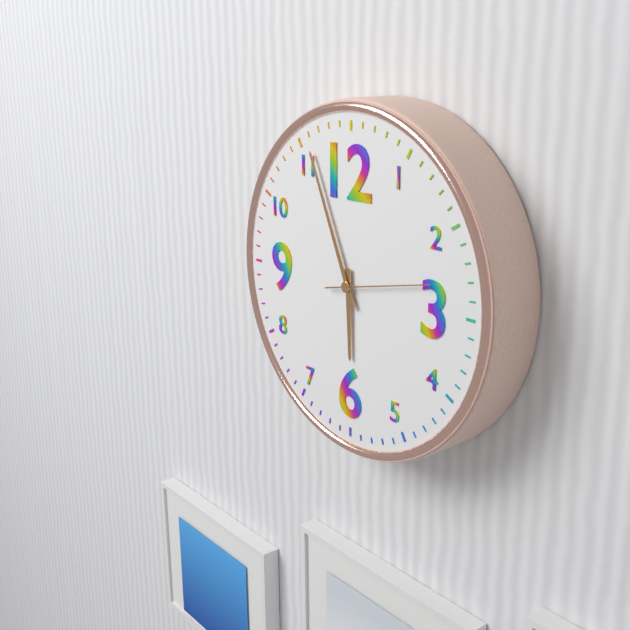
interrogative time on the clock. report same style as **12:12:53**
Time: **5:56:13**
